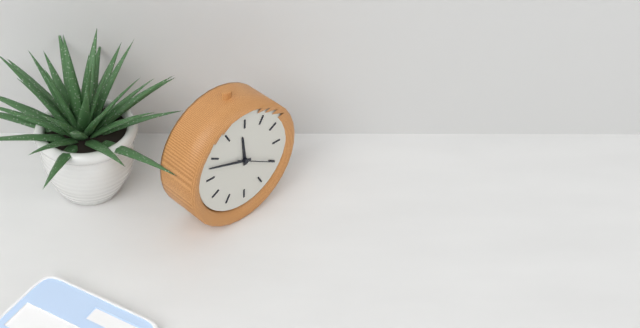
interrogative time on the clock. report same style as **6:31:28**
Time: **11:48:20**
